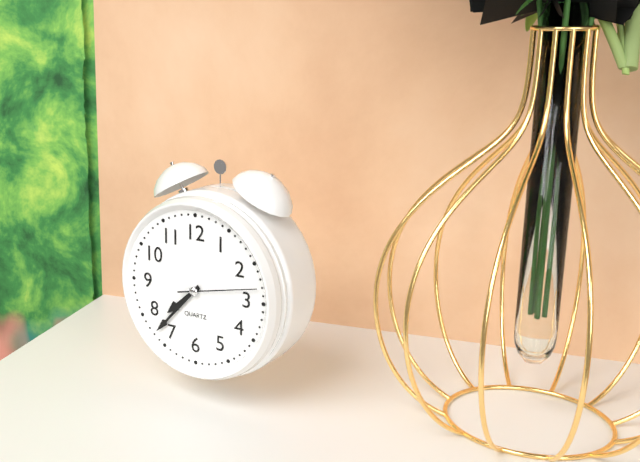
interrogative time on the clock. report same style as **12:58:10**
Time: **7:37:13**
